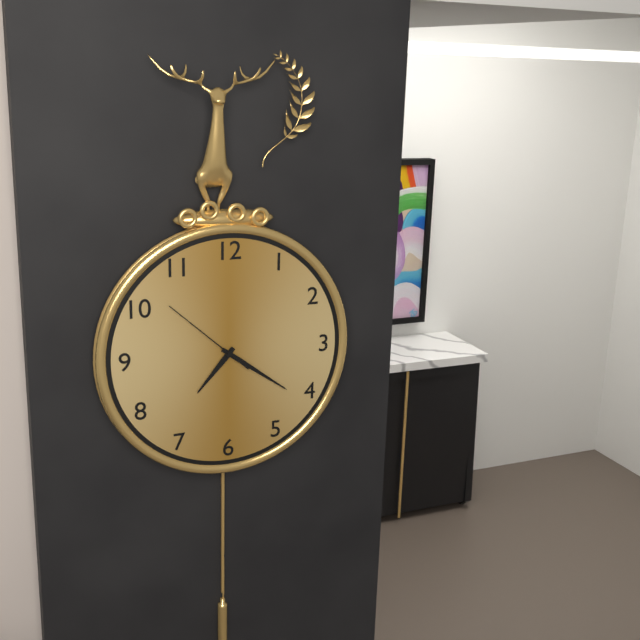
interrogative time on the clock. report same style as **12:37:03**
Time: **7:21:52**
